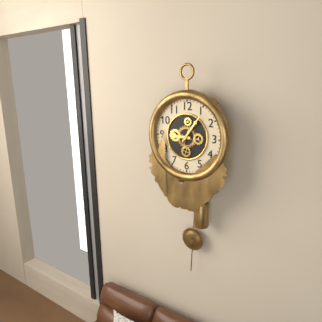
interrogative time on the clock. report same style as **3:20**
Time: **9:06**
